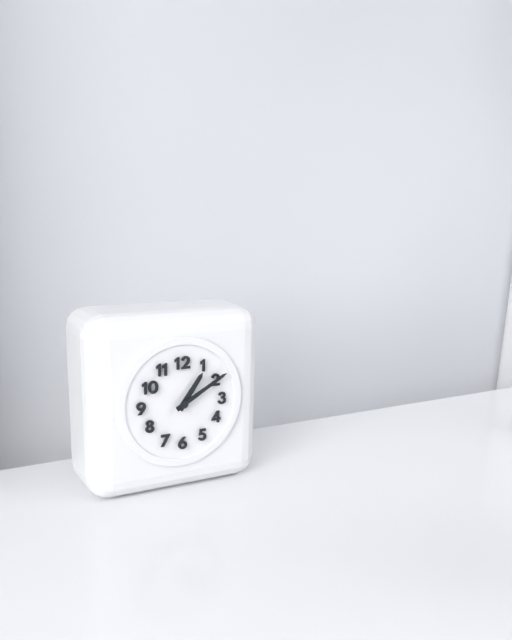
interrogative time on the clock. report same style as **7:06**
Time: **1:10**
